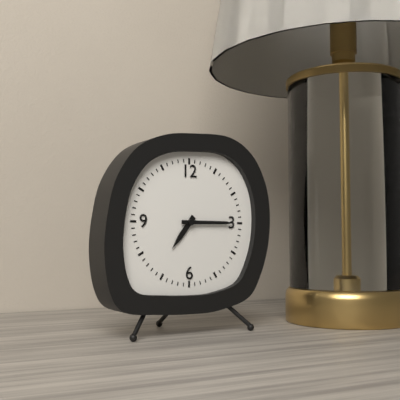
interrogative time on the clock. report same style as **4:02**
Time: **7:15**
